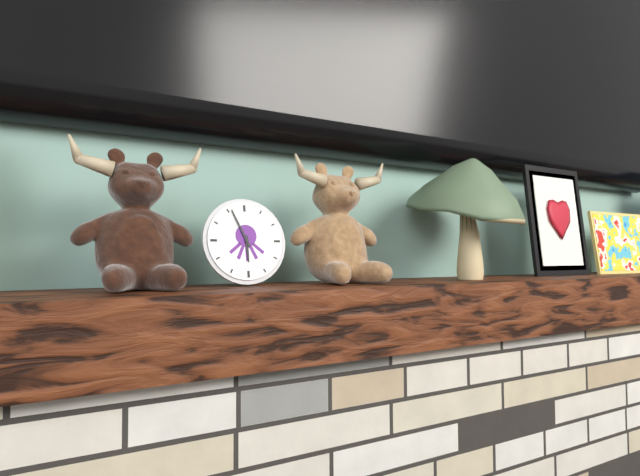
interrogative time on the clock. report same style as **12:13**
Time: **5:56**
